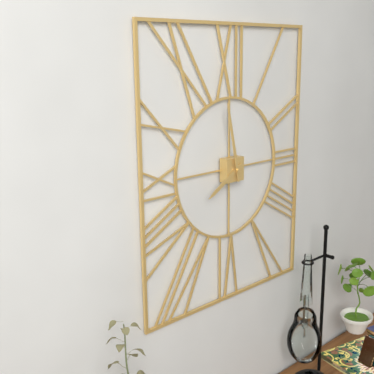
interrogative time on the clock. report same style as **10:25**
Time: **7:58**
